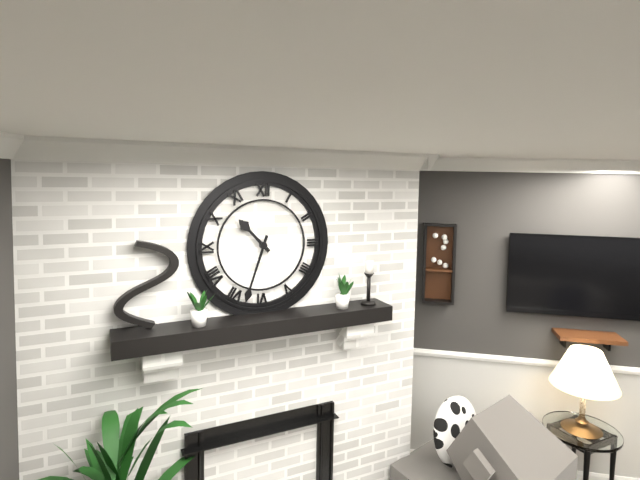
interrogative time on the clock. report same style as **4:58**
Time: **10:33**
